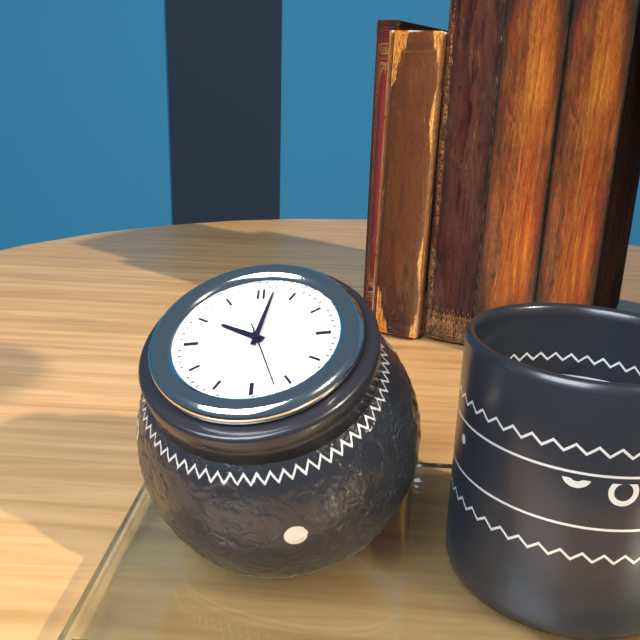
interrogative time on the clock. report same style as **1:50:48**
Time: **10:02:27**
